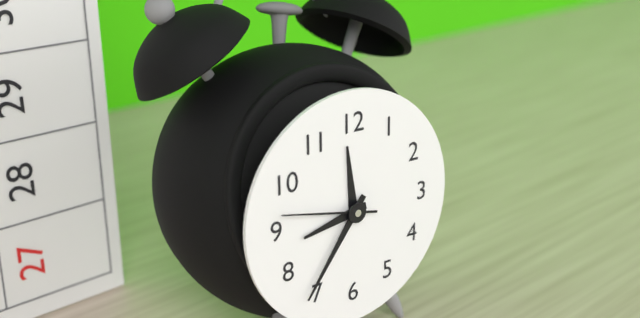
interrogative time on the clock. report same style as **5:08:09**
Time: **8:36:47**
